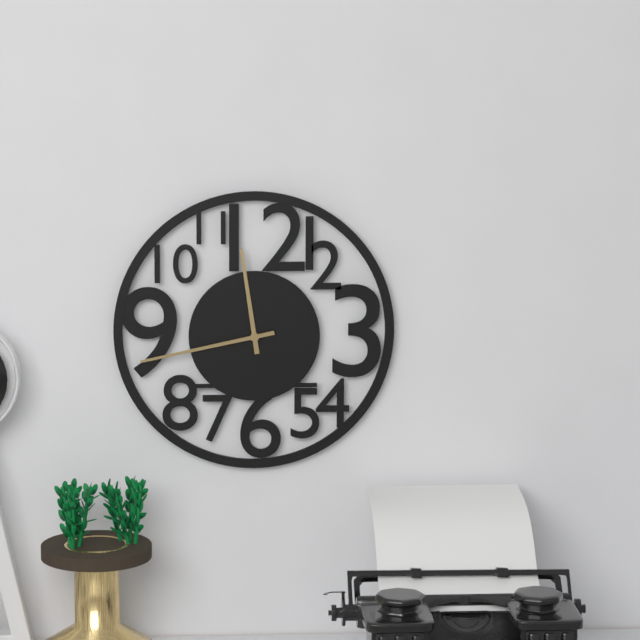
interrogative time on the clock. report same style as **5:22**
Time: **11:43**
